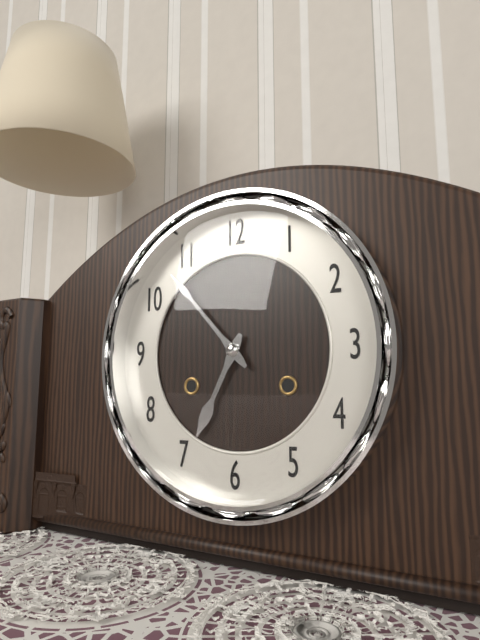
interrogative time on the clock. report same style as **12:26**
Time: **6:53**
